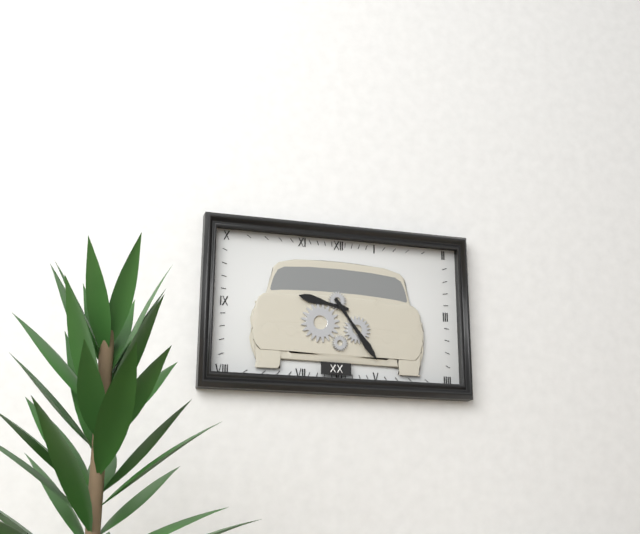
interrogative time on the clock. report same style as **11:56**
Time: **9:24**
